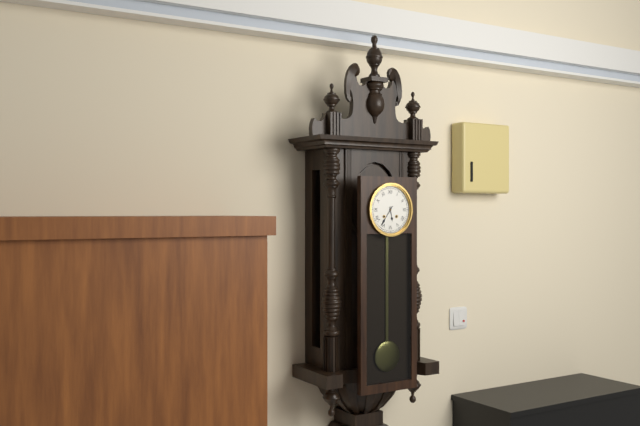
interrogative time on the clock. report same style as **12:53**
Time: **5:36**
